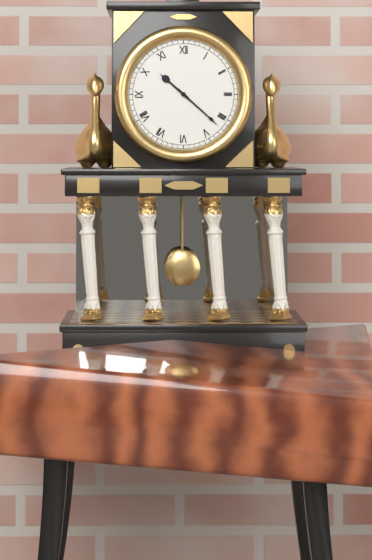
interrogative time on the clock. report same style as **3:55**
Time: **10:22**
